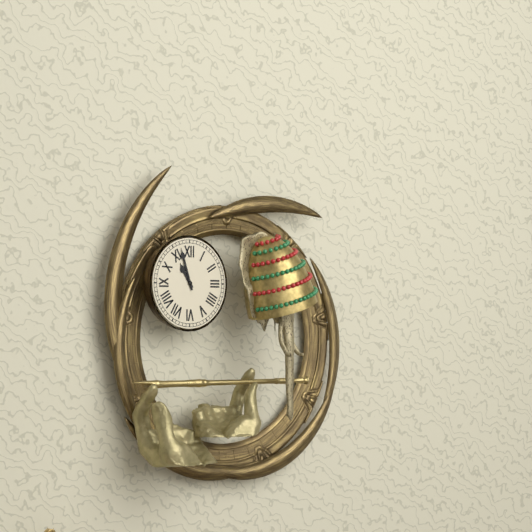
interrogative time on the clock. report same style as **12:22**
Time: **10:57**
